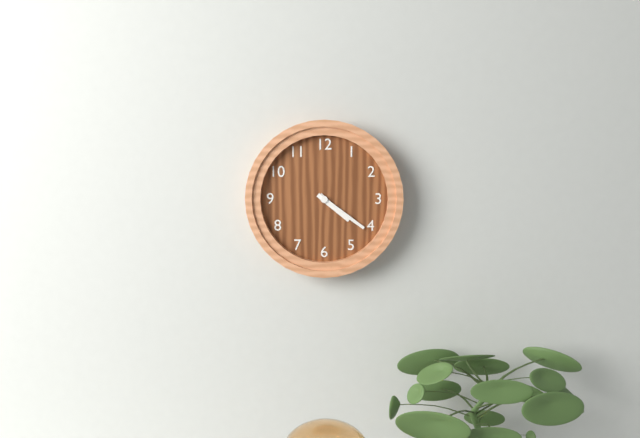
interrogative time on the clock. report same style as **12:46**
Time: **4:21**
